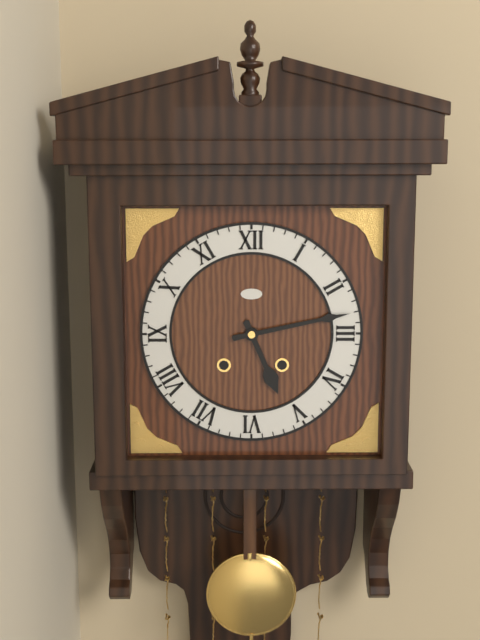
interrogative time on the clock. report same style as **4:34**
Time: **5:13**
